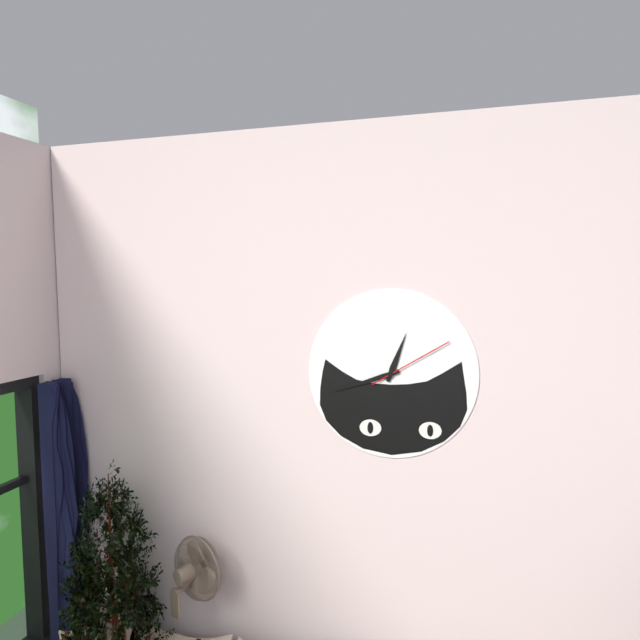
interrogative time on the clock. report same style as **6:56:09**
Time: **12:42:10**
